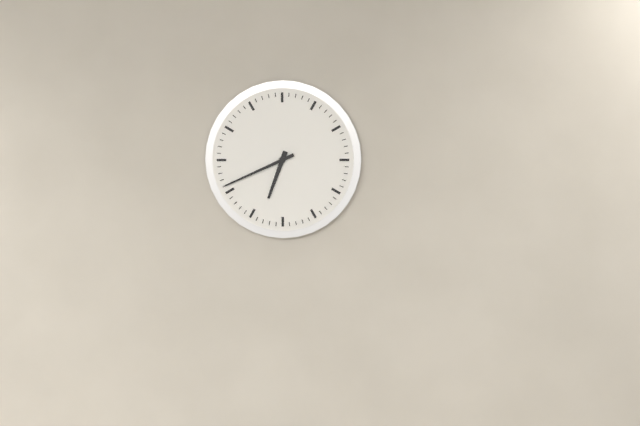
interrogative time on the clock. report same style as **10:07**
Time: **6:41**
